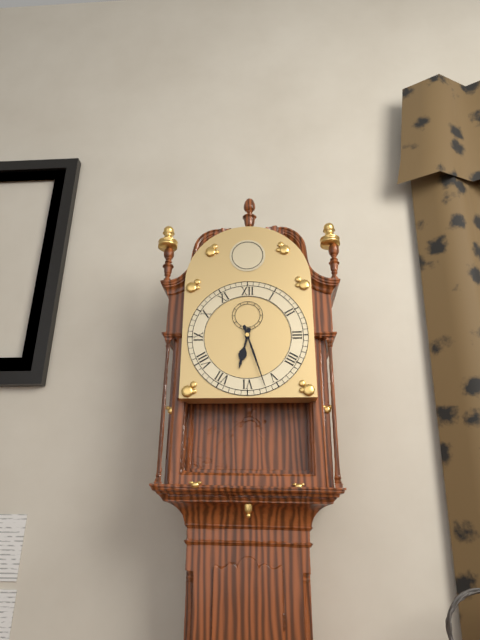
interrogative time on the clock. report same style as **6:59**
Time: **6:27**
